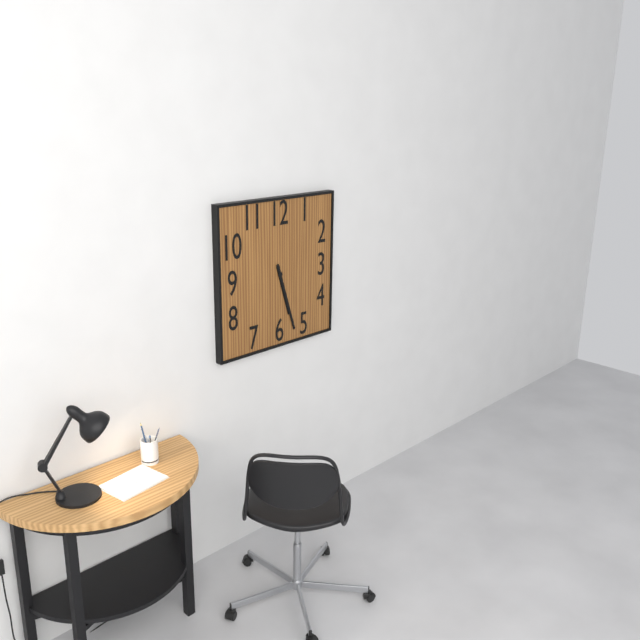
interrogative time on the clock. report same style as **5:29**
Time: **5:27**
